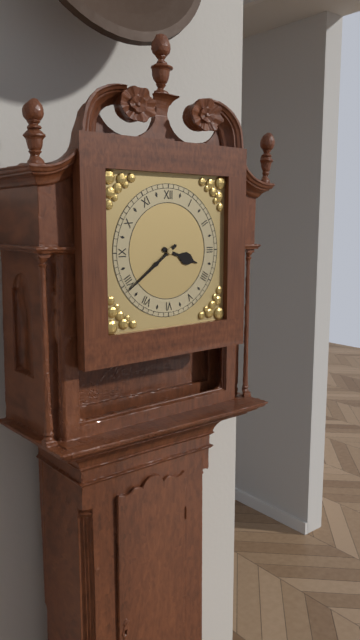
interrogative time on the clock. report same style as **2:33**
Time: **3:39**
